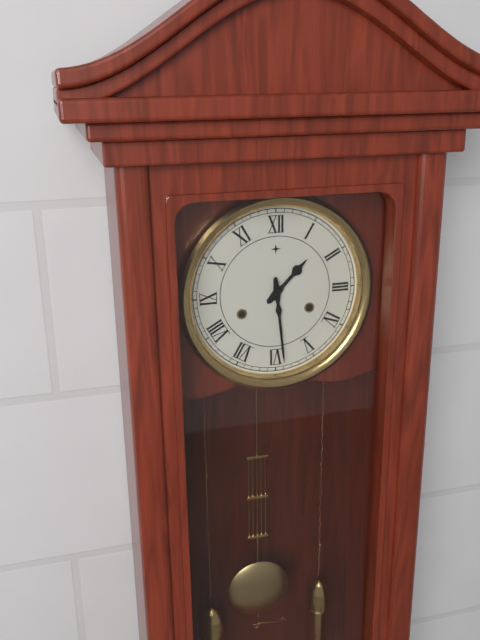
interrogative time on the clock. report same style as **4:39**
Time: **1:29**
